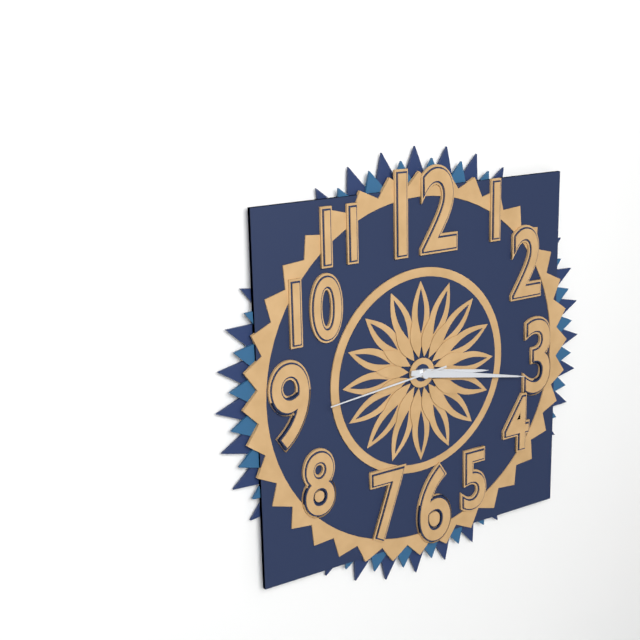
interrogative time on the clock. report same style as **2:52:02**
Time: **3:17:44**
